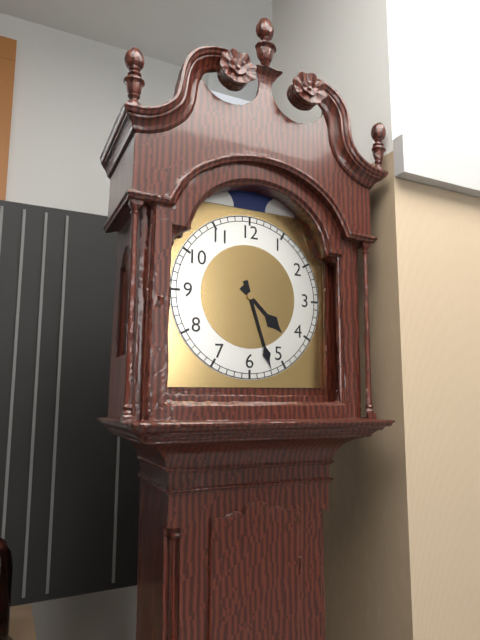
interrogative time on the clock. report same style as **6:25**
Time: **4:27**
